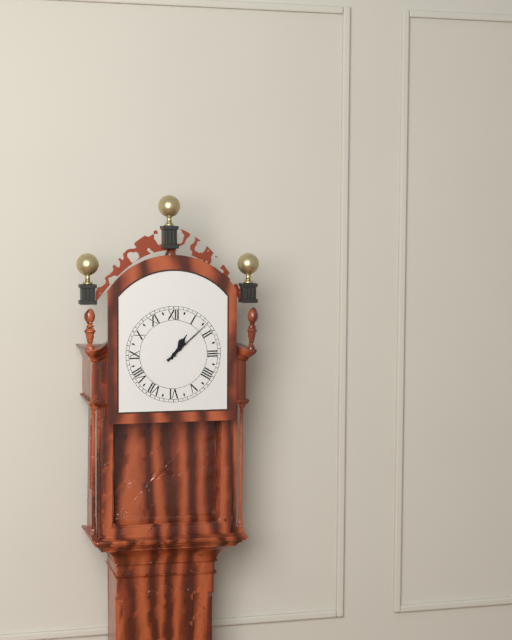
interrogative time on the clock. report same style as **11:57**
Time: **1:08**
